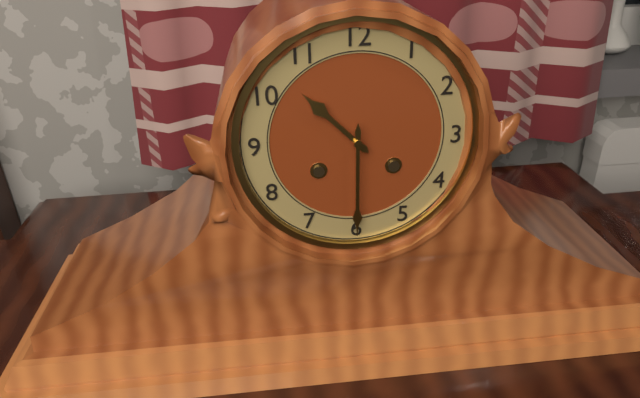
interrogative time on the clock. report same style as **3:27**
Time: **10:30**
